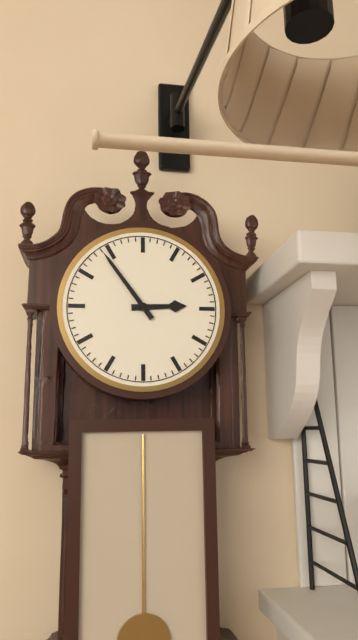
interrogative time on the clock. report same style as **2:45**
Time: **2:54**
